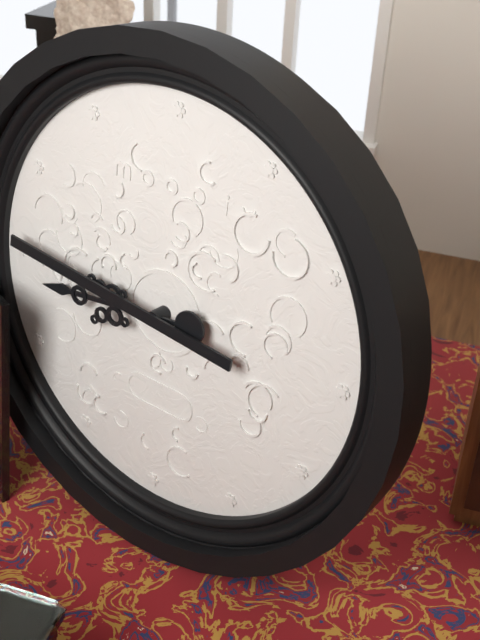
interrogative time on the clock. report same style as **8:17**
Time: **8:46**
